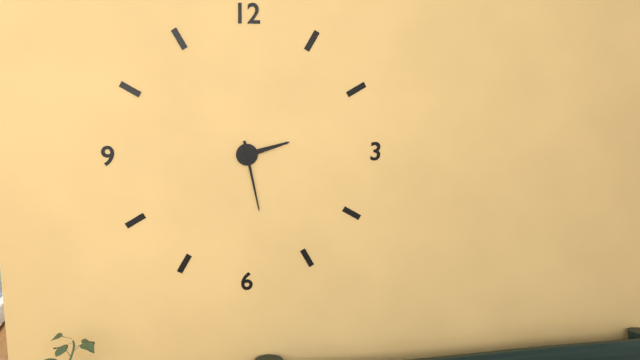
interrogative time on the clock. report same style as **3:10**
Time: **2:28**
